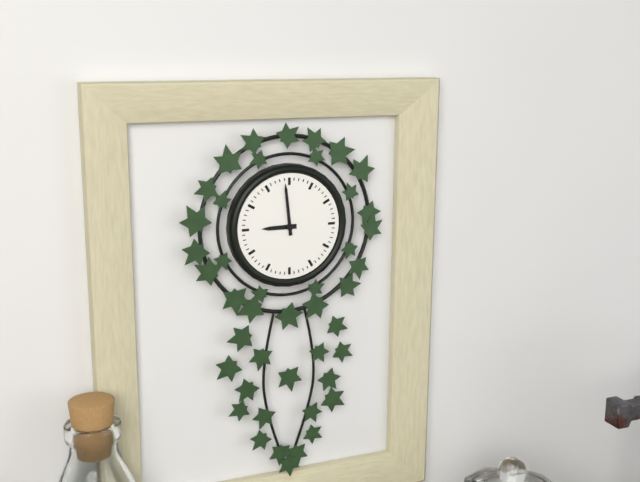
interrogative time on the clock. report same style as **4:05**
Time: **8:59**
